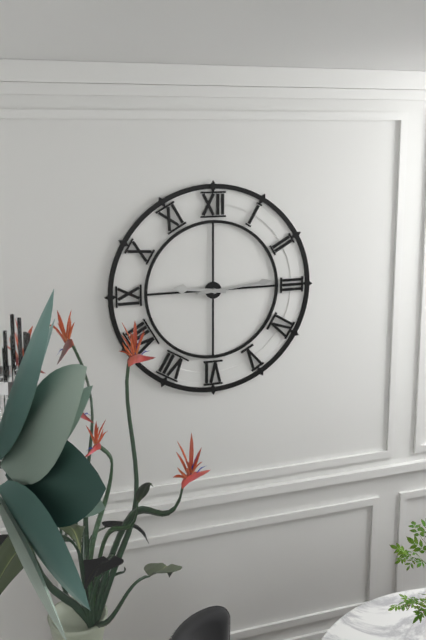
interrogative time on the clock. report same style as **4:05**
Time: **9:14**
